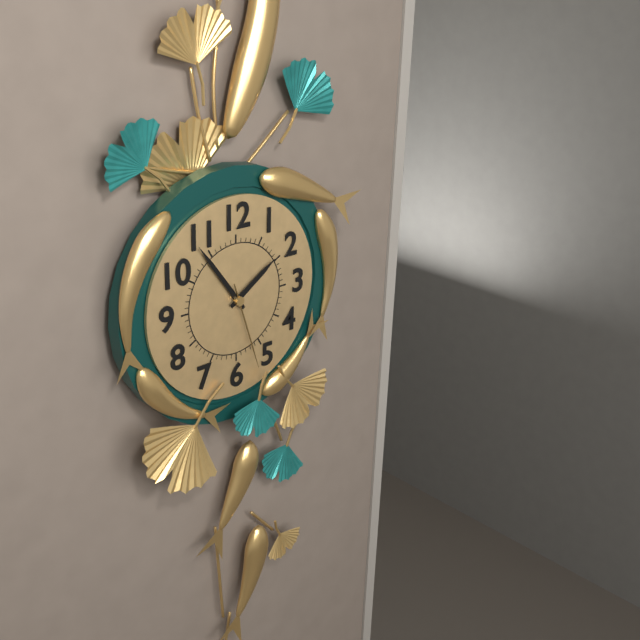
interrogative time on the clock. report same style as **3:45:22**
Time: **1:54:27**
